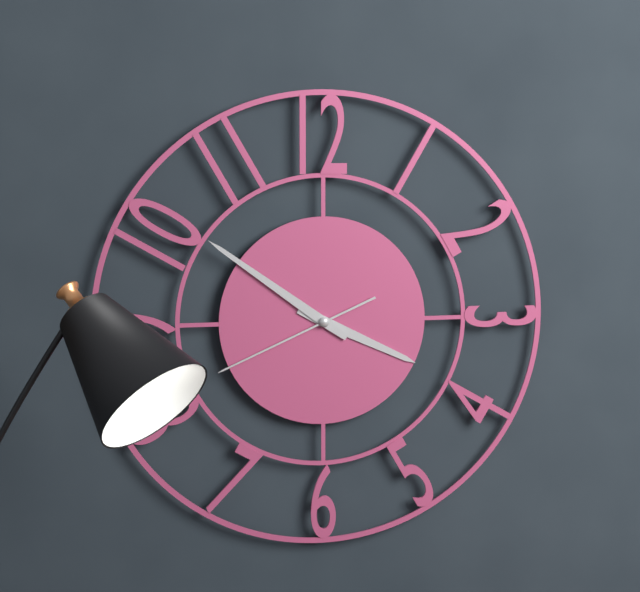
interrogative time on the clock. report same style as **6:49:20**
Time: **3:51:41**
